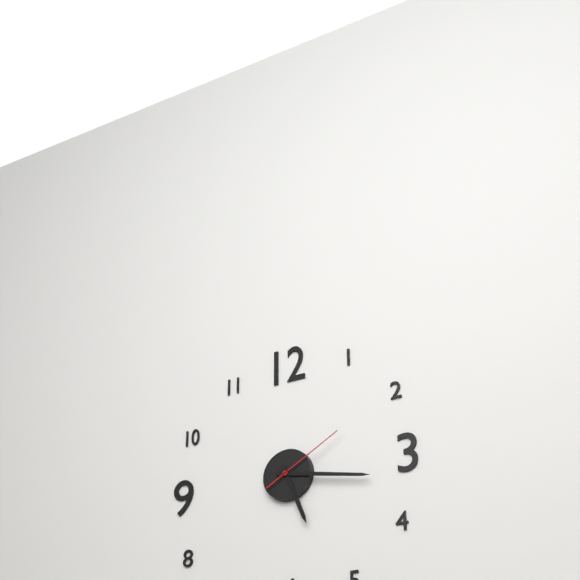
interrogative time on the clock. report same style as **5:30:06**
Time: **5:17:10**
